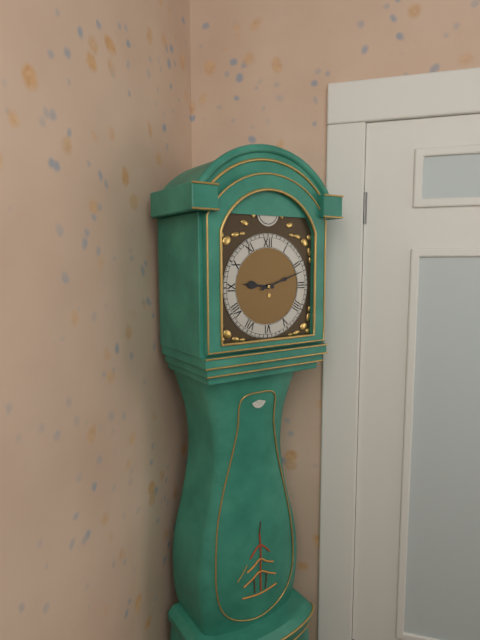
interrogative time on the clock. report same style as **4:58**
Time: **9:12**
